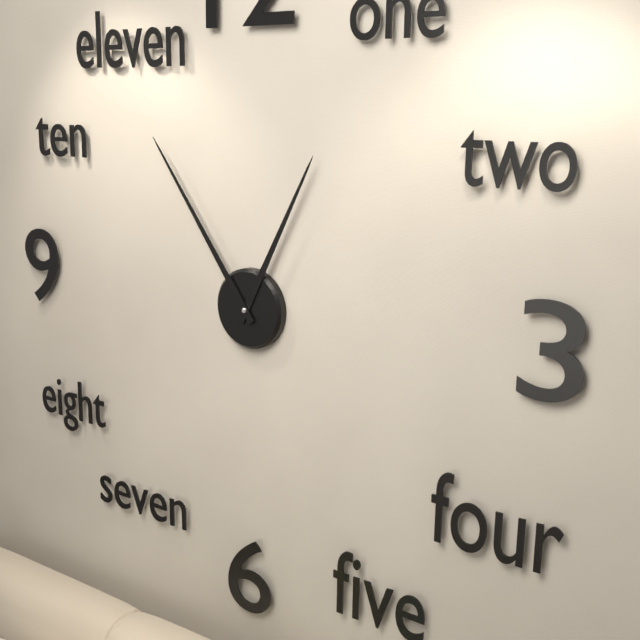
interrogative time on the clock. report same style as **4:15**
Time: **12:54**
